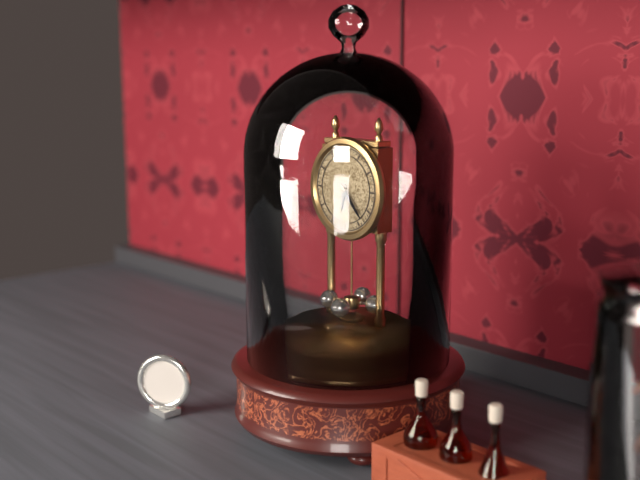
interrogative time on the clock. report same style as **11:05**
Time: **6:23**
